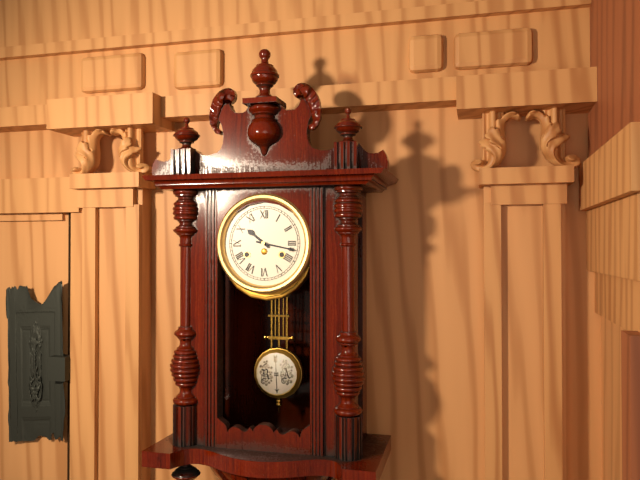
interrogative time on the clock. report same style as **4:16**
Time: **10:17**
